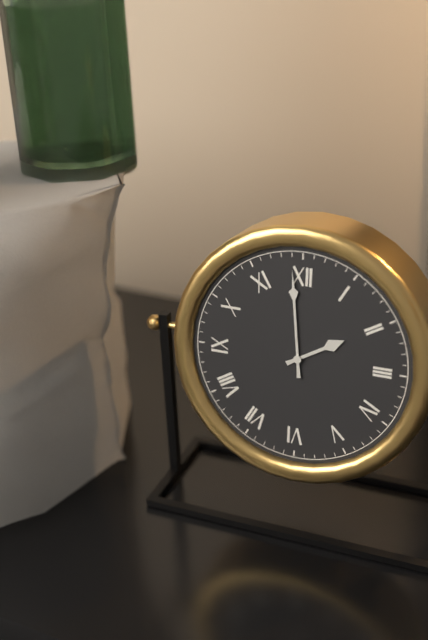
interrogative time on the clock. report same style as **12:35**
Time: **1:59**
